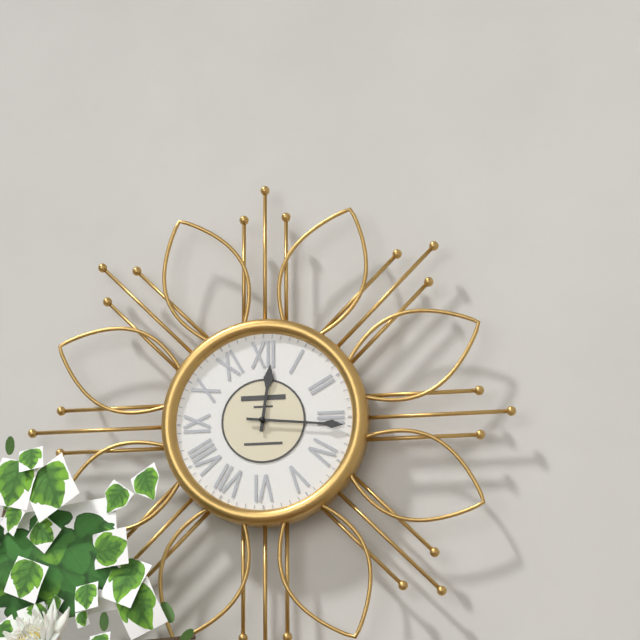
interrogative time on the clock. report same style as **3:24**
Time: **12:16**
